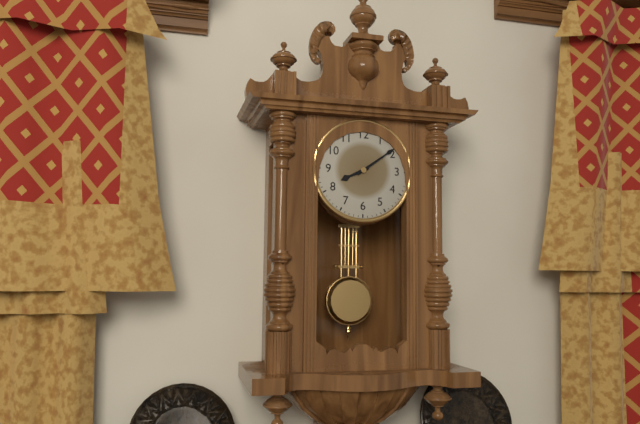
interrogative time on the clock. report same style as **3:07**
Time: **8:09**
